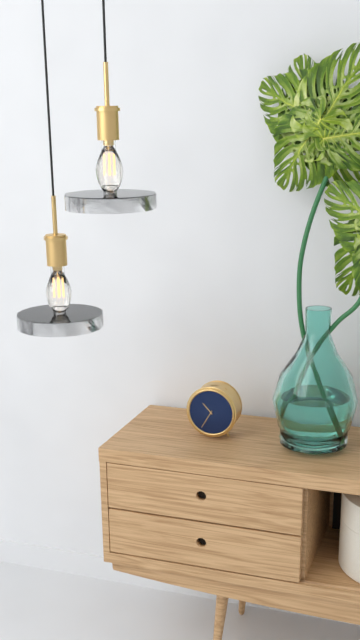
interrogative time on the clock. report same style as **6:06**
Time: **10:35**
